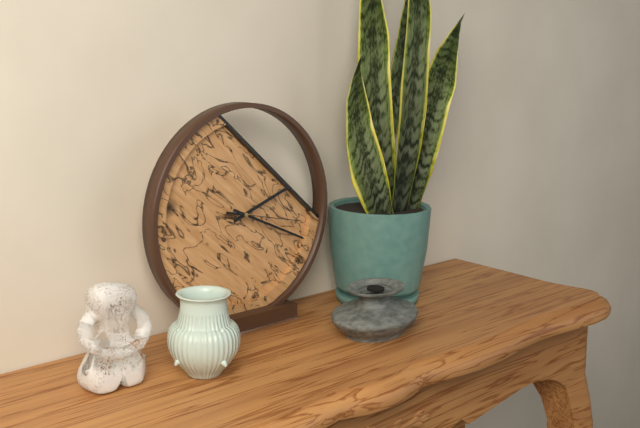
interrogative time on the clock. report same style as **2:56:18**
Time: **2:19:17**
